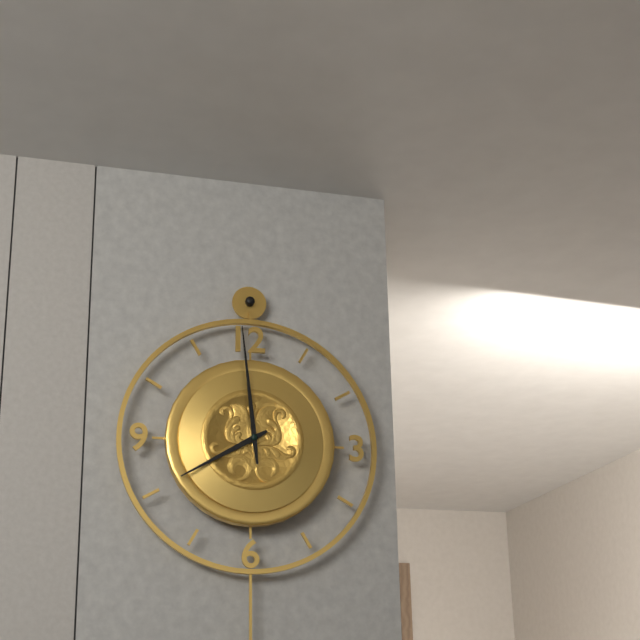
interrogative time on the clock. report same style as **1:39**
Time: **7:59**
